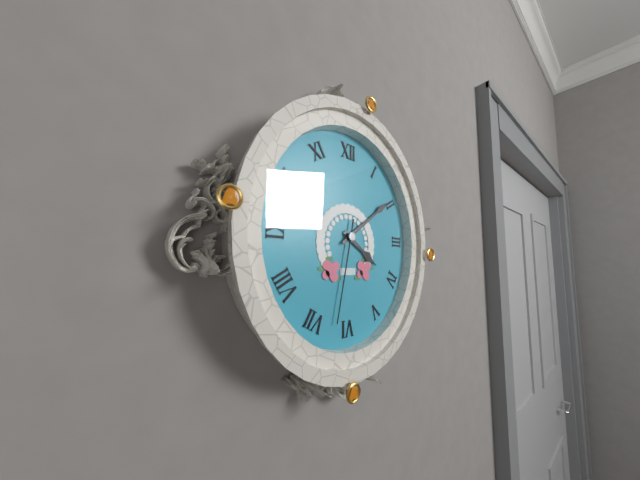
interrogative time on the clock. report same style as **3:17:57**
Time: **4:09:32**
